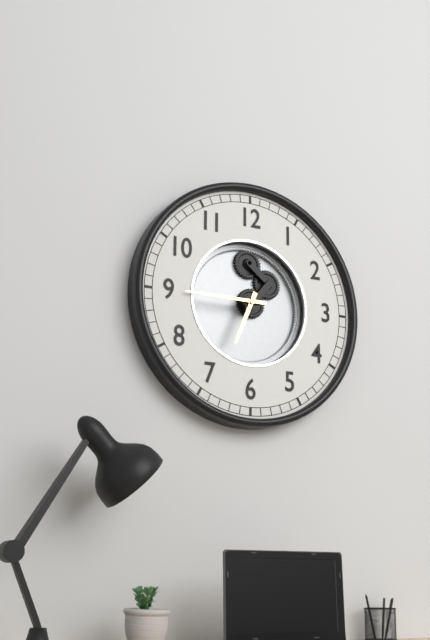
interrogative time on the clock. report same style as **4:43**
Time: **6:45**
